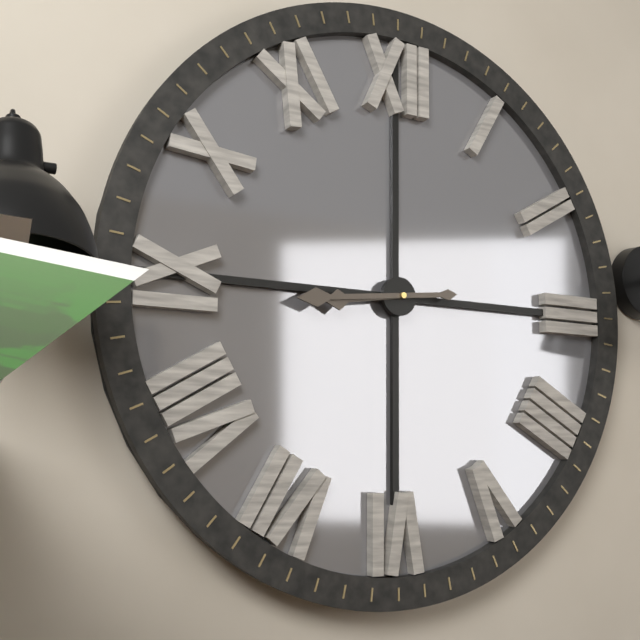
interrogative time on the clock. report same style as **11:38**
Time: **8:44**
